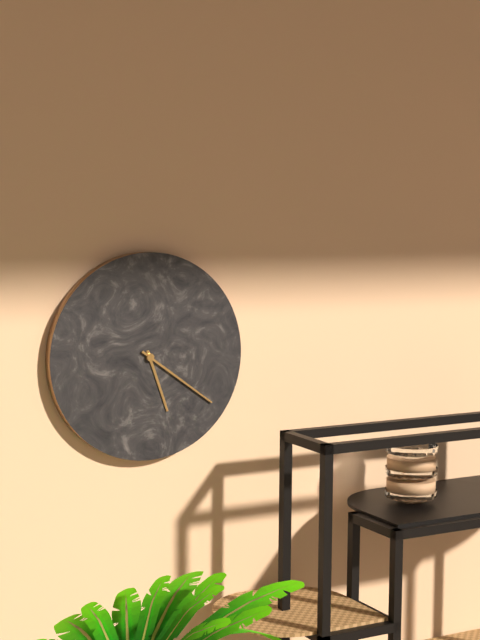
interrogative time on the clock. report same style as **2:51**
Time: **5:21**
